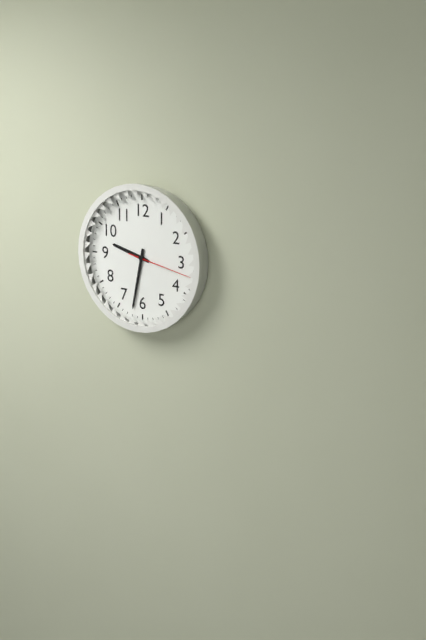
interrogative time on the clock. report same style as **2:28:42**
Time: **9:32:17**
